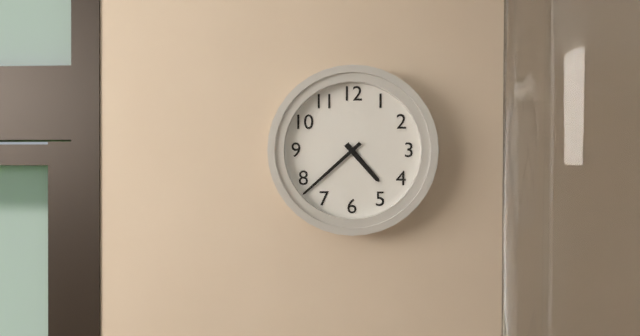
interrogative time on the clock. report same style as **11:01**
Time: **4:38**
